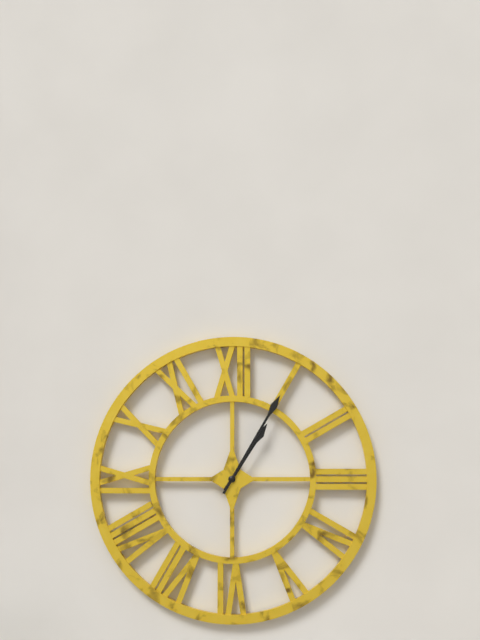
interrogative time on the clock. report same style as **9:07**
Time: **1:05**
